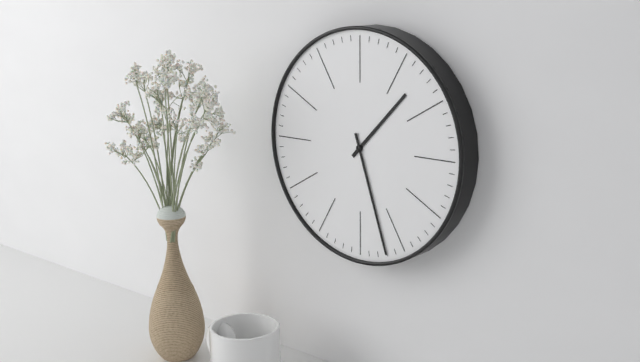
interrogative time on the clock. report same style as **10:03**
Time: **1:27**
